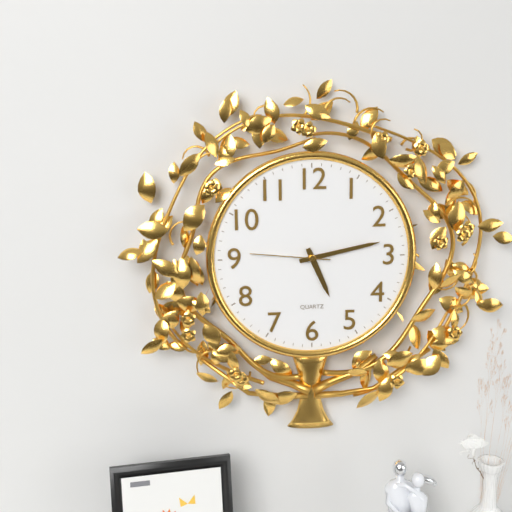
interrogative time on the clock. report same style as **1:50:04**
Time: **5:13:46**
